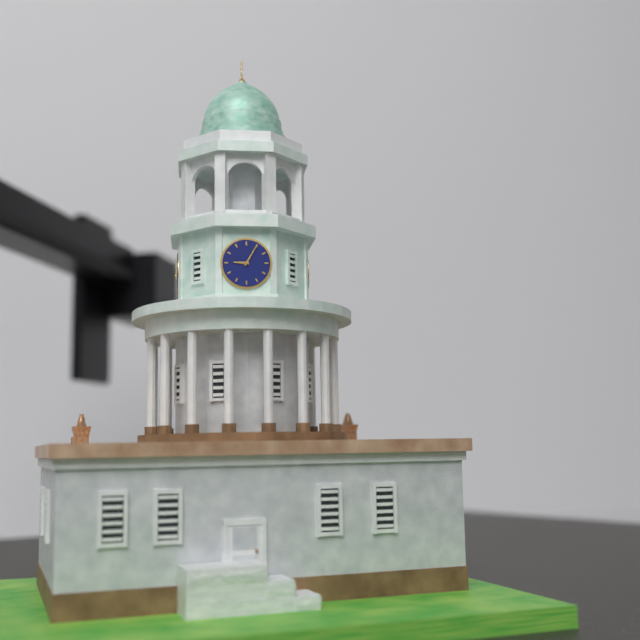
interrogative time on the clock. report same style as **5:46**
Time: **9:05**
